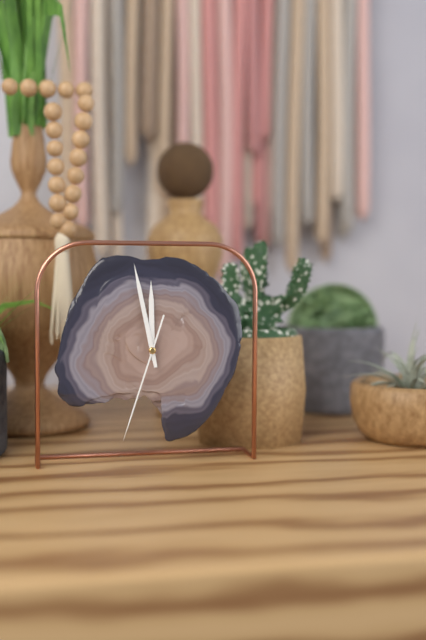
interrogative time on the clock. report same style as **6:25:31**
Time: **11:58:33**
